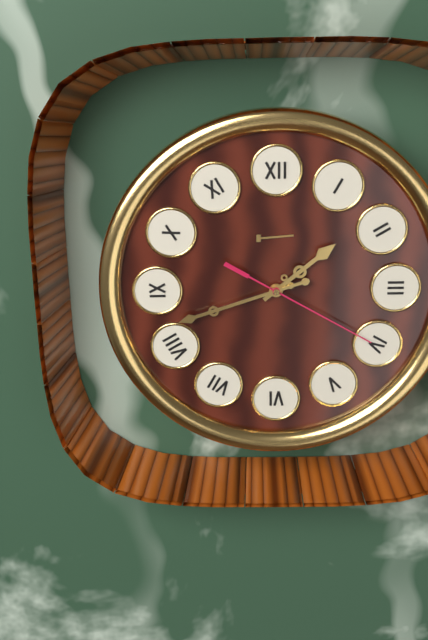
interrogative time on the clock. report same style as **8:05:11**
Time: **1:42:20**
